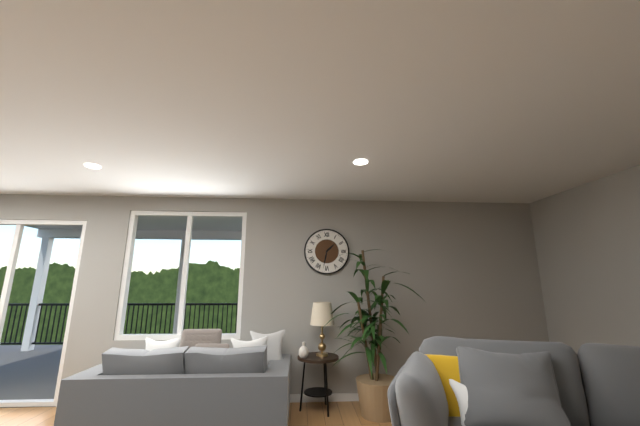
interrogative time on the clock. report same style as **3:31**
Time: **1:32**
